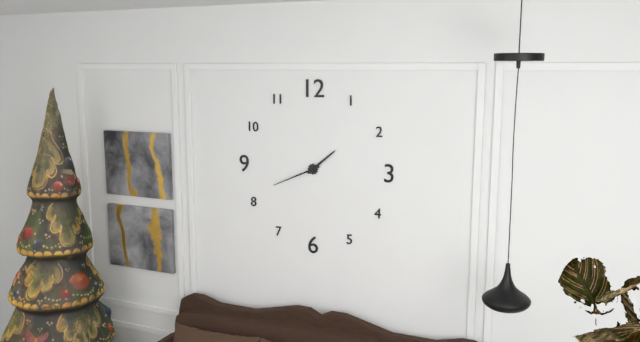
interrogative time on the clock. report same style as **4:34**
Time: **1:41**
